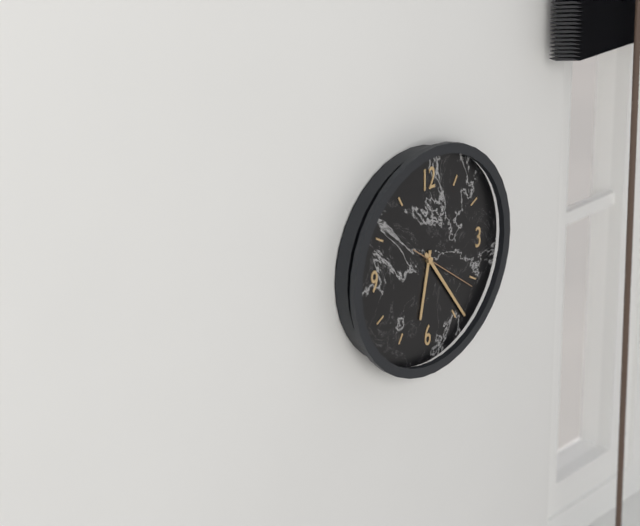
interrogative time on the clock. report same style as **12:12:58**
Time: **6:24:21**
